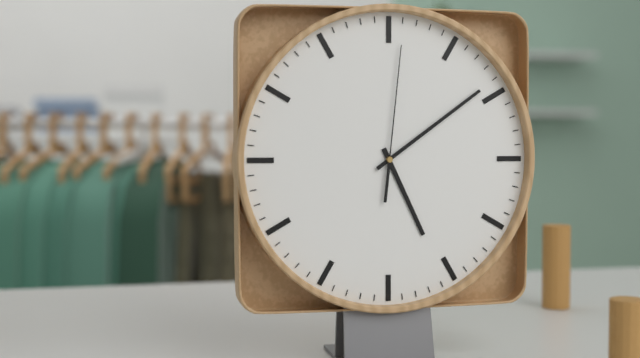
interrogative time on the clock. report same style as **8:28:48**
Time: **5:09:01**
